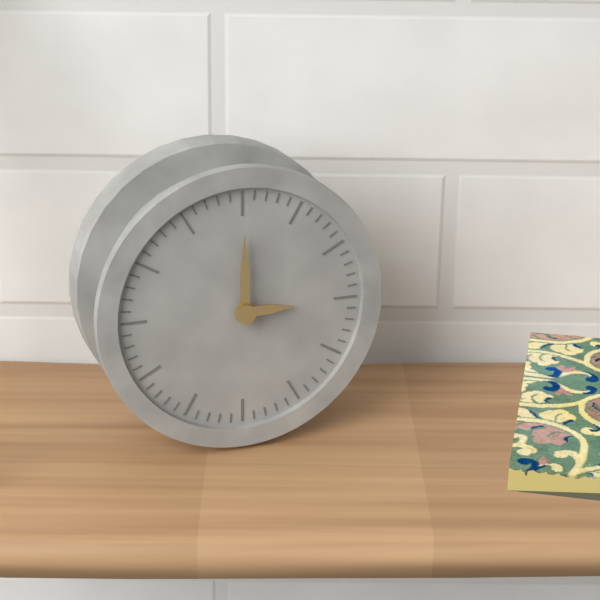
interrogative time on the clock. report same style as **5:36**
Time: **3:00**
